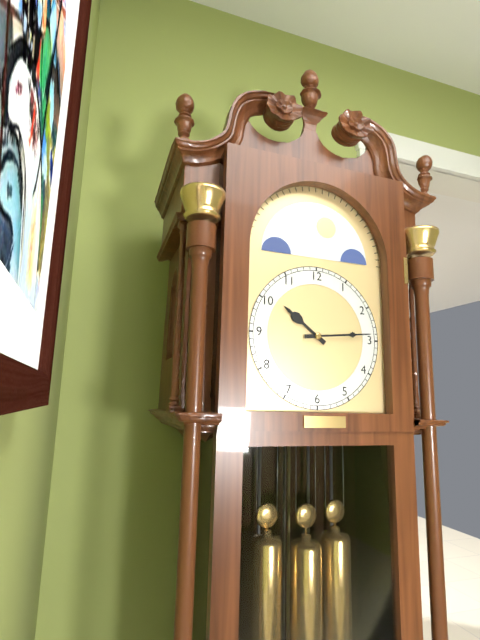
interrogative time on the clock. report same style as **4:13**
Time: **10:14**
